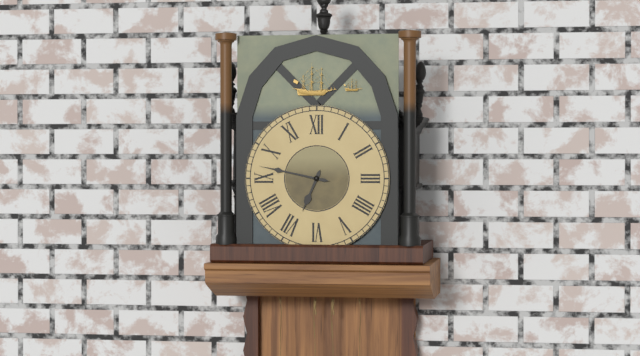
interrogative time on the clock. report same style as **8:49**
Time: **6:47**
